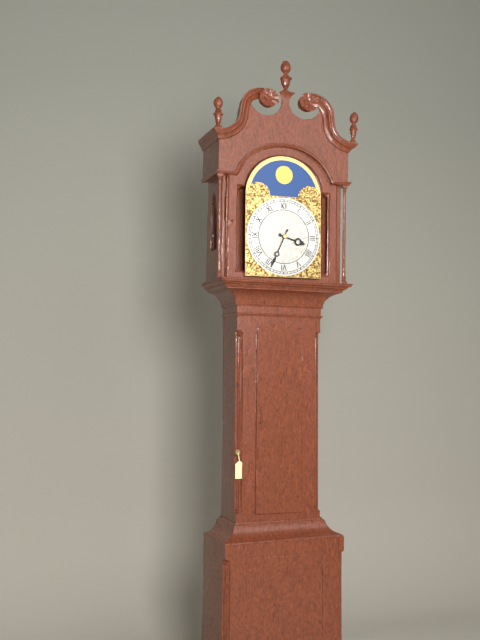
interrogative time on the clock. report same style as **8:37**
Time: **3:34**
